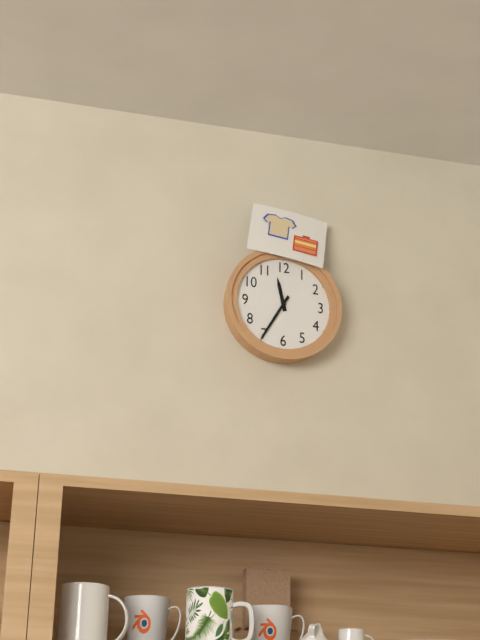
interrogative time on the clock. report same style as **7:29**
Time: **11:35**
